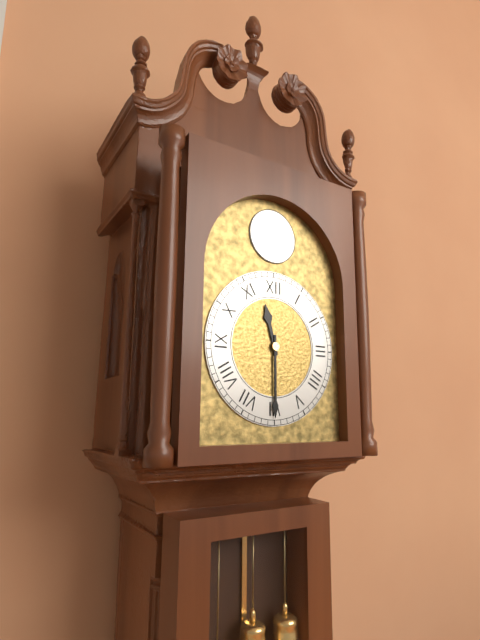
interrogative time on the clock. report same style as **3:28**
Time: **11:30**
